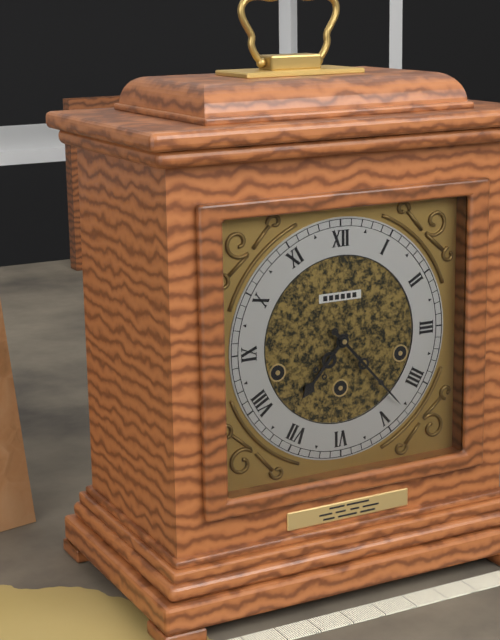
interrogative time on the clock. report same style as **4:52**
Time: **7:23**
